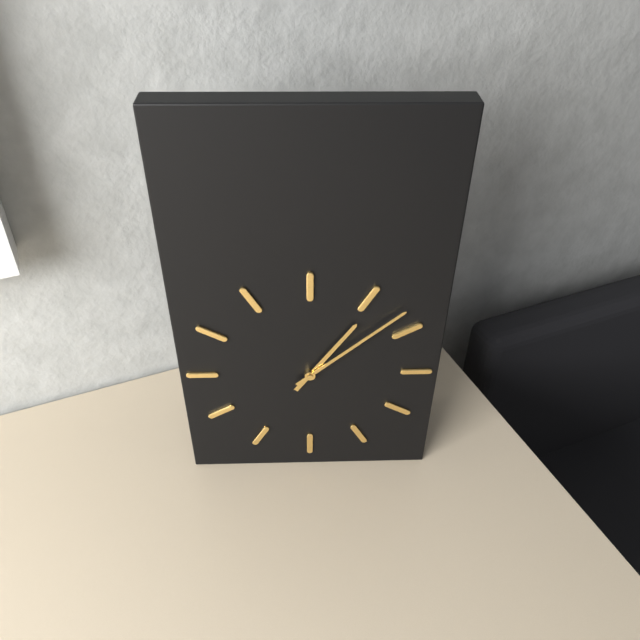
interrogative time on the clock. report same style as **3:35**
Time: **1:08**
